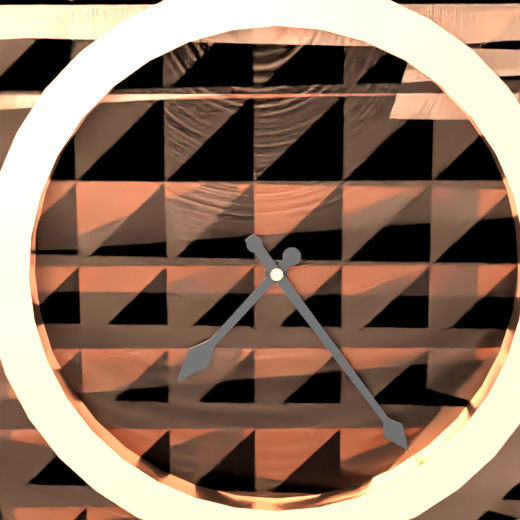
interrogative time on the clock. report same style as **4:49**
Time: **7:24**
